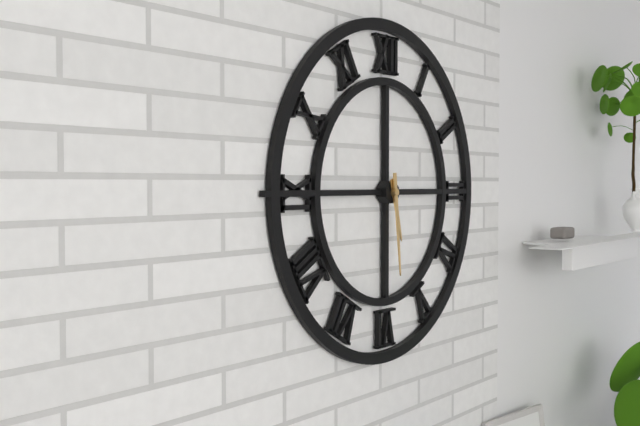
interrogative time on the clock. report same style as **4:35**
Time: **5:29**
